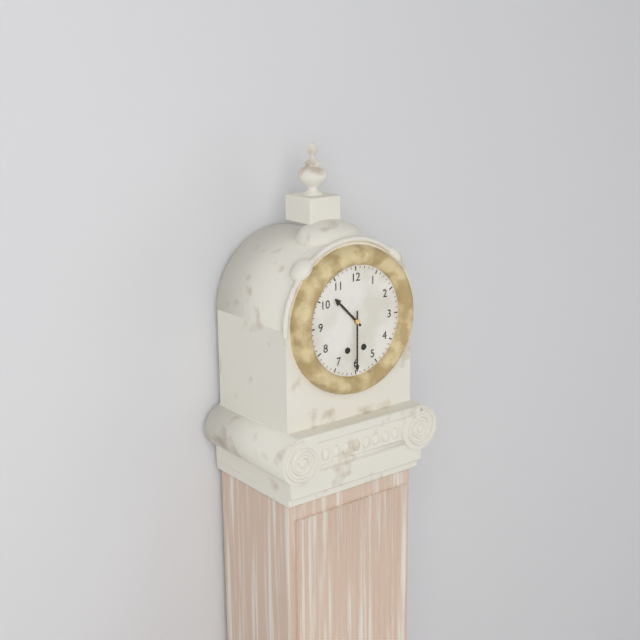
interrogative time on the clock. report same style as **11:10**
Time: **10:30**
